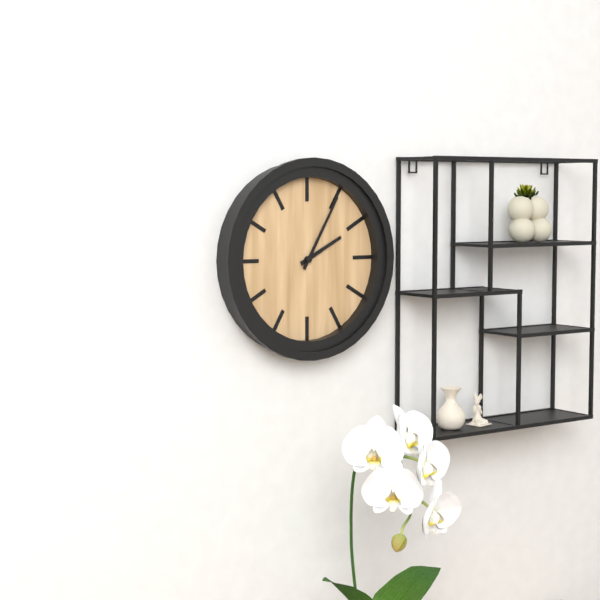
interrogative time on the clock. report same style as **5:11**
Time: **2:05**
